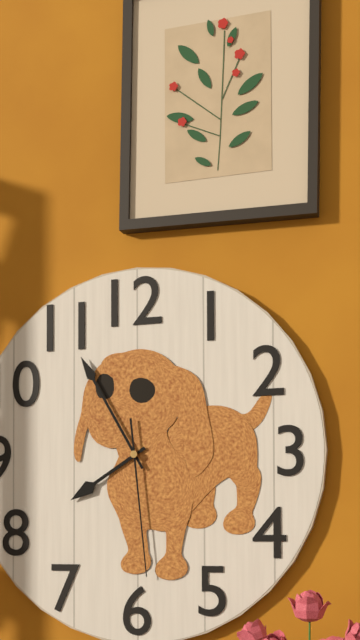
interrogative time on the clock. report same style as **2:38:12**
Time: **7:55:29**
